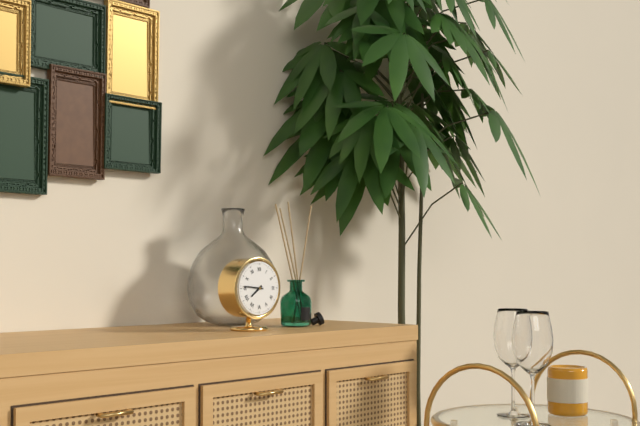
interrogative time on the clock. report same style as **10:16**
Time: **7:46**
